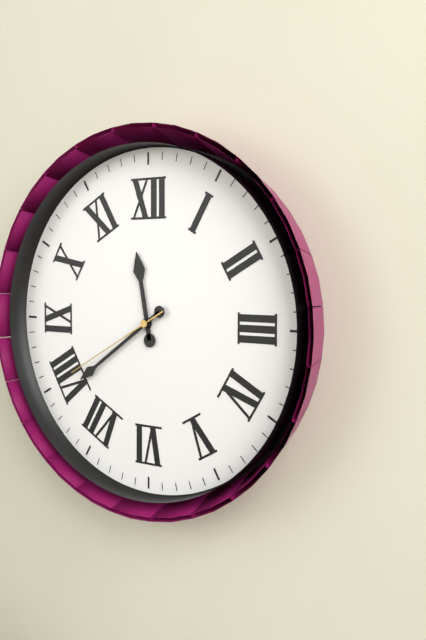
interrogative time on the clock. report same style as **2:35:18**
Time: **11:39:40**
